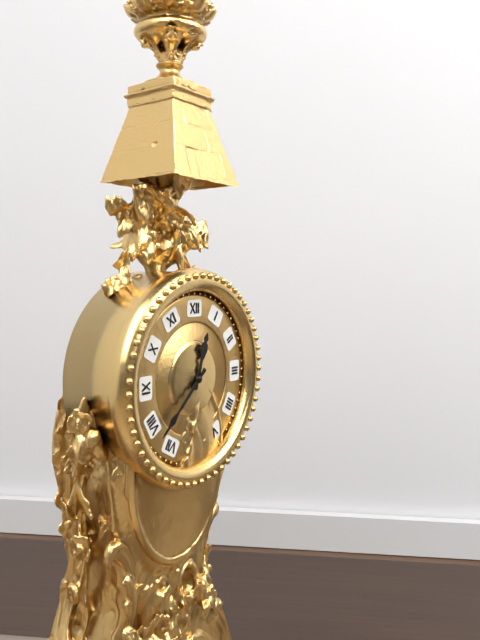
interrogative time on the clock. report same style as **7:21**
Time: **12:38**
